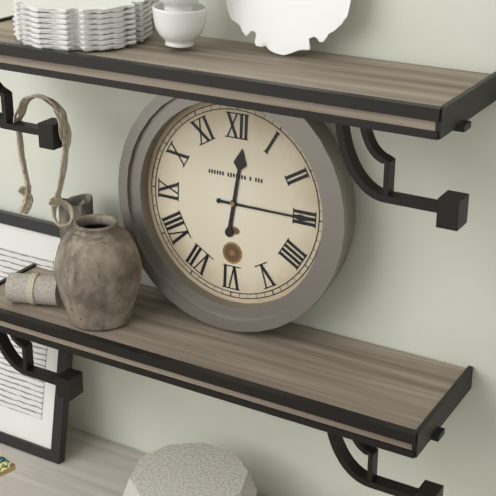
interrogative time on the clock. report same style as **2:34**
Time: **12:15**
